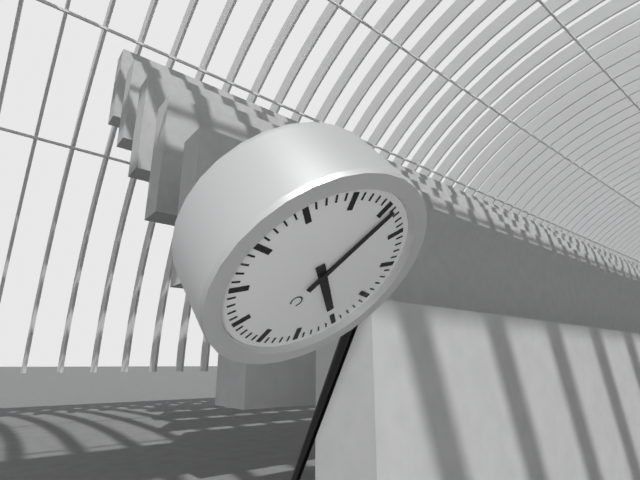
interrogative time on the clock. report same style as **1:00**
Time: **4:01**
